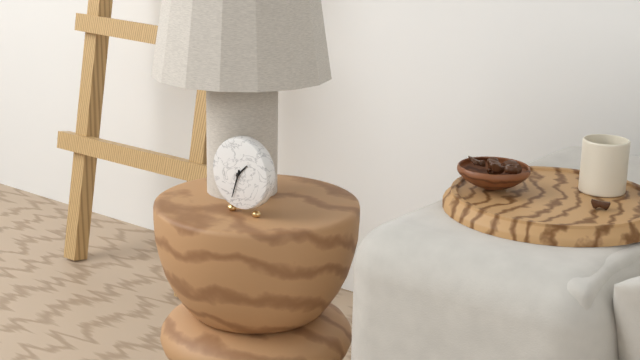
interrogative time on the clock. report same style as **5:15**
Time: **1:33**
